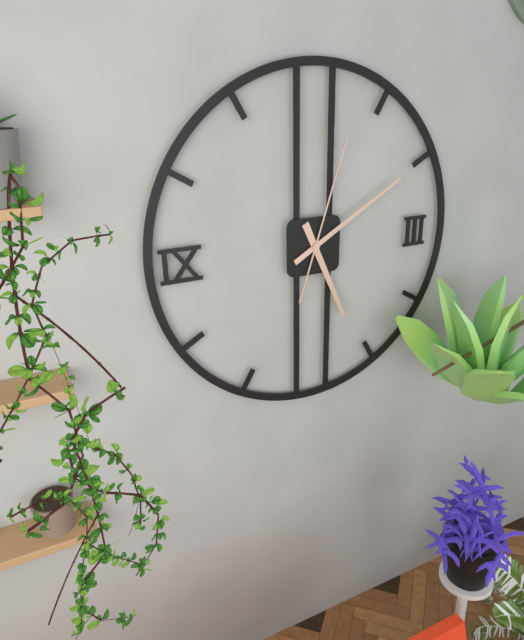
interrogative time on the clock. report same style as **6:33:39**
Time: **5:10:03**
